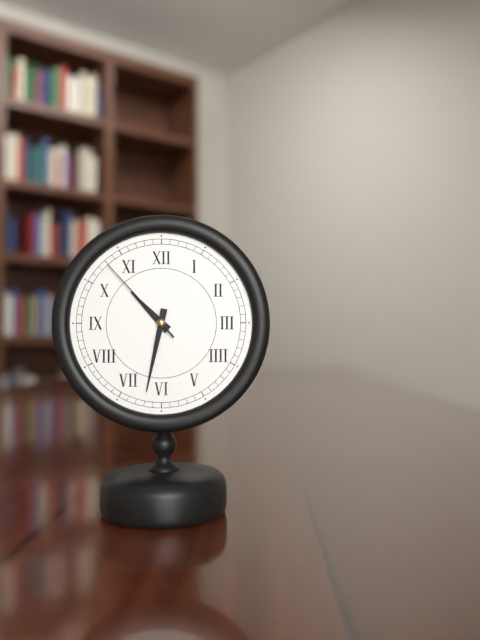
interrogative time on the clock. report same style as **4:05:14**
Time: **10:32:53**
